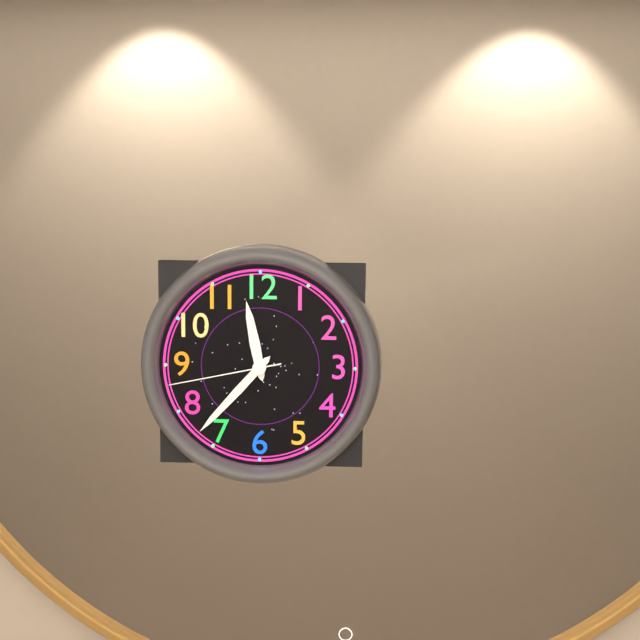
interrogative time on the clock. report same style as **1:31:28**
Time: **11:37:43**
